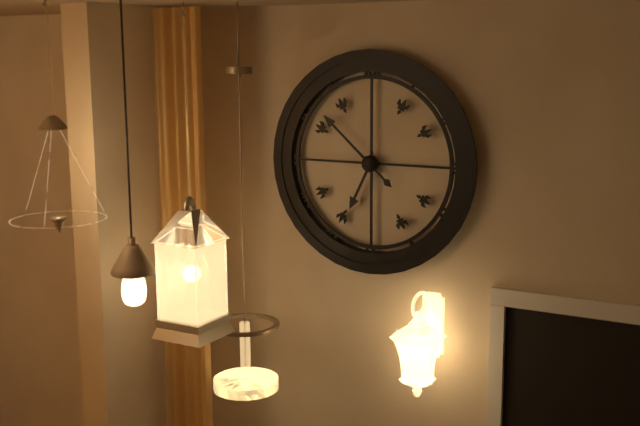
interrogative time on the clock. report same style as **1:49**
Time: **6:52**
